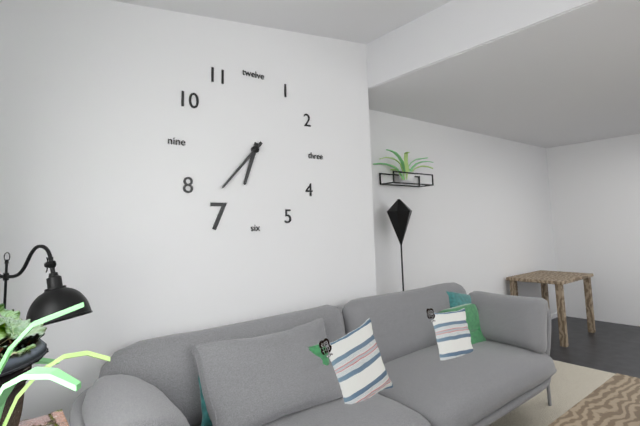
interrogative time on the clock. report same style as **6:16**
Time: **6:37**
